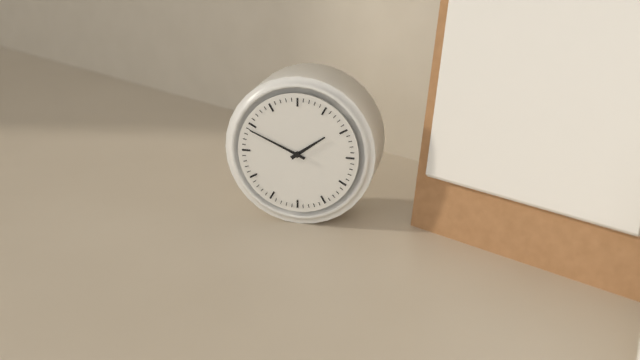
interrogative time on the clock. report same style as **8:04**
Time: **1:49**
